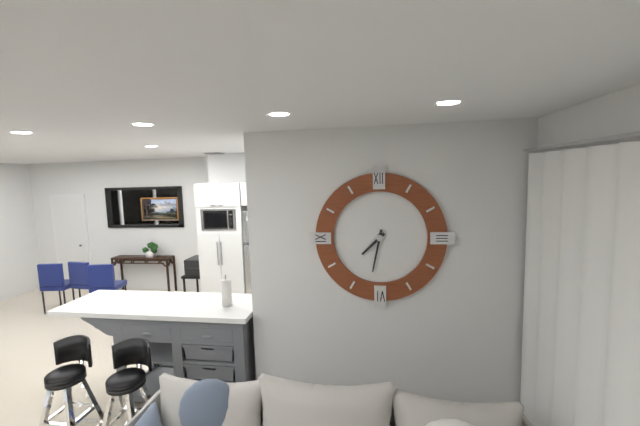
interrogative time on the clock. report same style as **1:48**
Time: **7:32**
